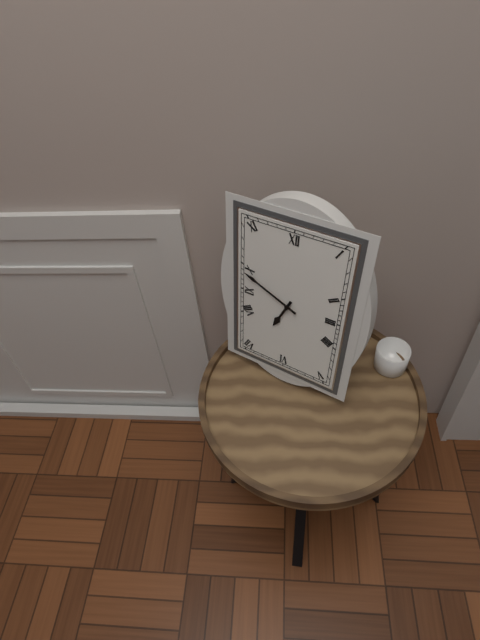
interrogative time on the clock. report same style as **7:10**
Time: **6:49**
